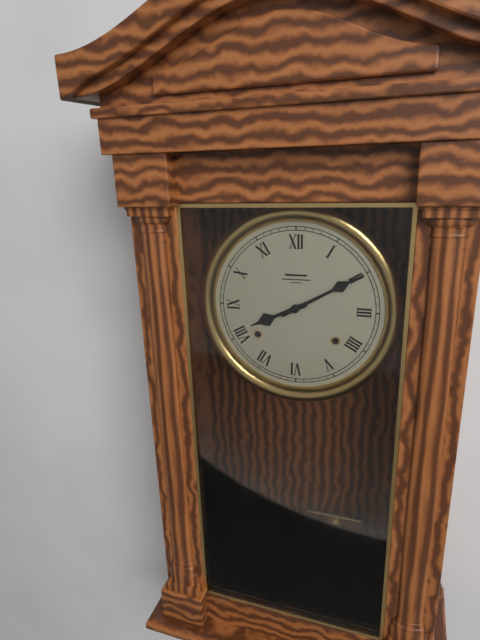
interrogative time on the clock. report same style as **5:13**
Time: **8:10**
